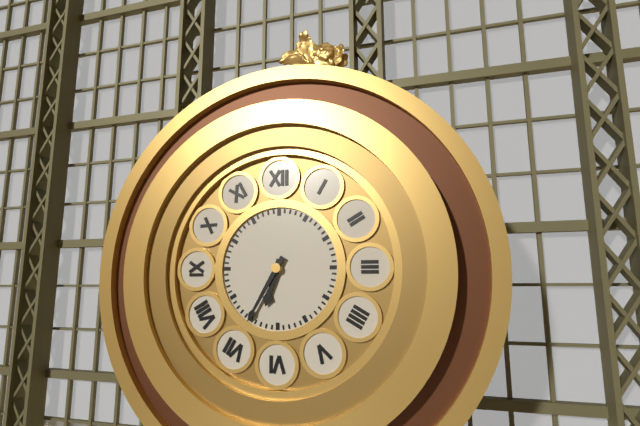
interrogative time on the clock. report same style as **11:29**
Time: **6:35**
